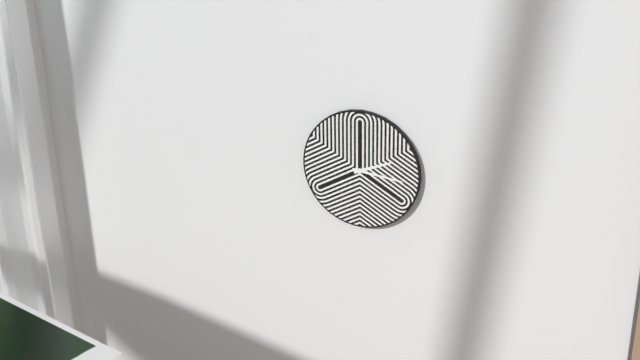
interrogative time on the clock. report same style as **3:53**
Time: **2:16**
